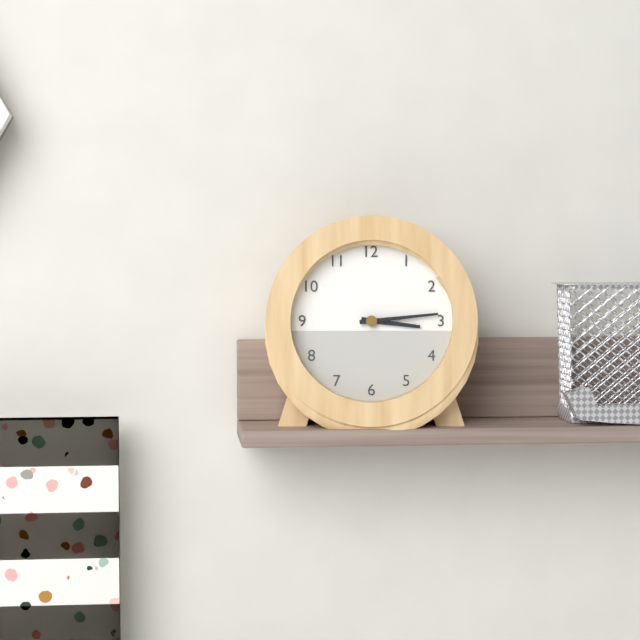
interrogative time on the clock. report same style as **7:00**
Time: **3:14**
